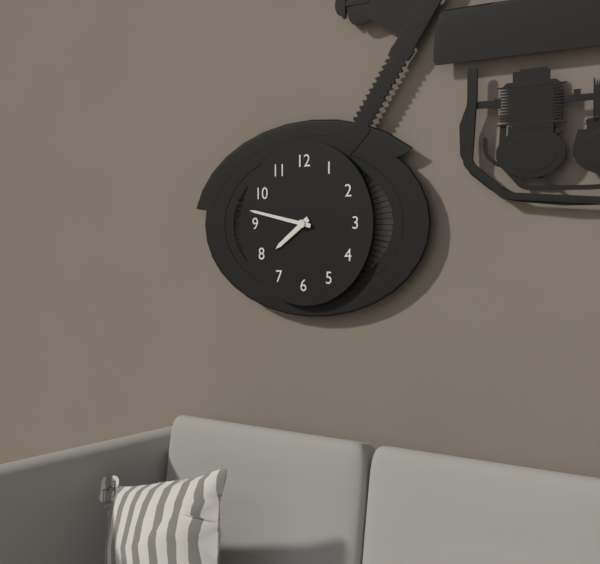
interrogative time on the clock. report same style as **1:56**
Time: **7:47**
